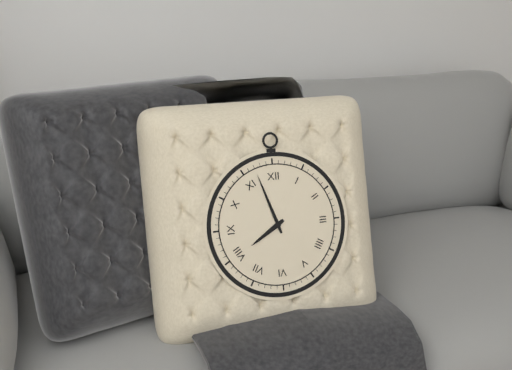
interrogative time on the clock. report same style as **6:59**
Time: **7:57**
